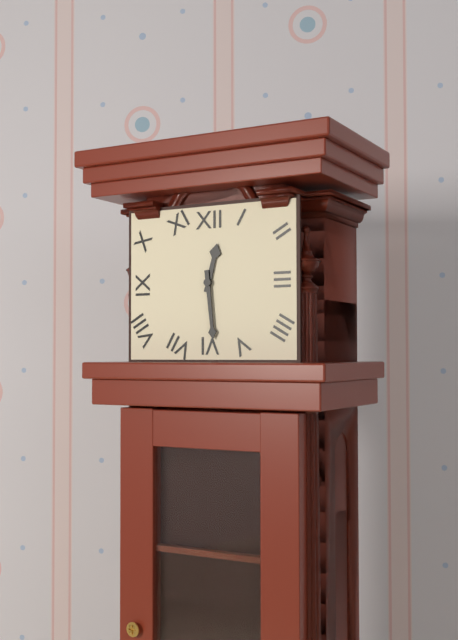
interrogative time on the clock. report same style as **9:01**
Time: **12:29**
